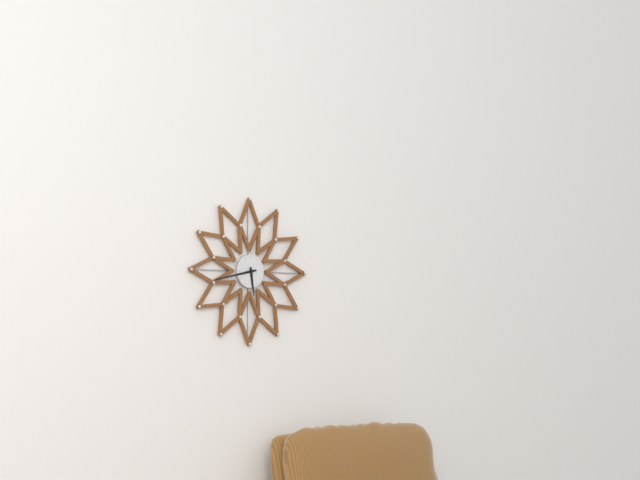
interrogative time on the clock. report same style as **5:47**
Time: **5:43**
